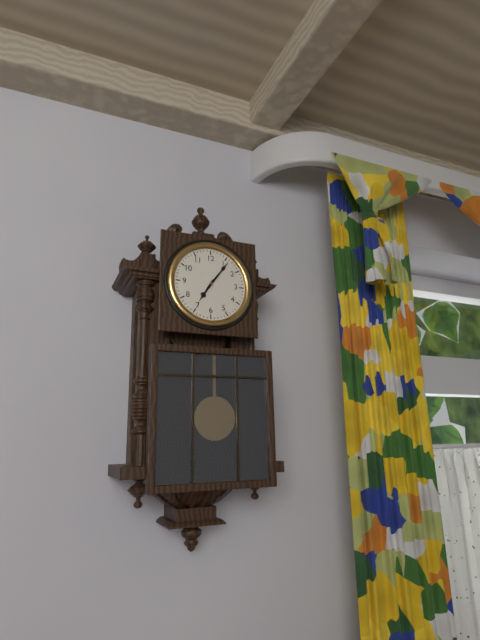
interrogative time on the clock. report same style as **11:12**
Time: **7:06**
